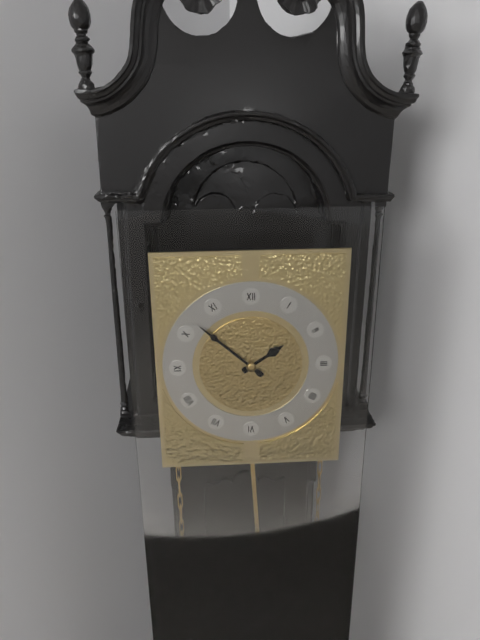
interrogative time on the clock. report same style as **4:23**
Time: **1:52**
